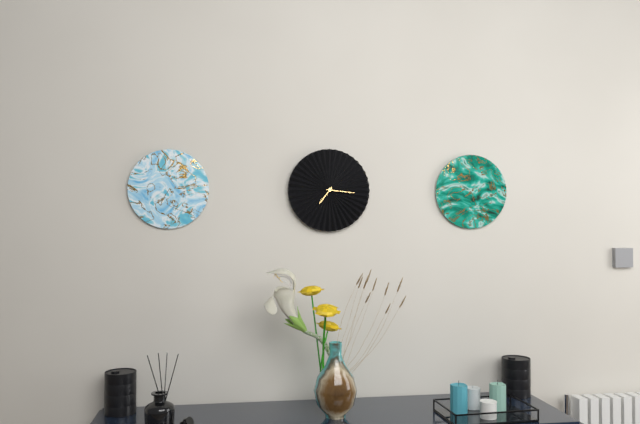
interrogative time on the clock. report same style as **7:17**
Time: **7:16**
